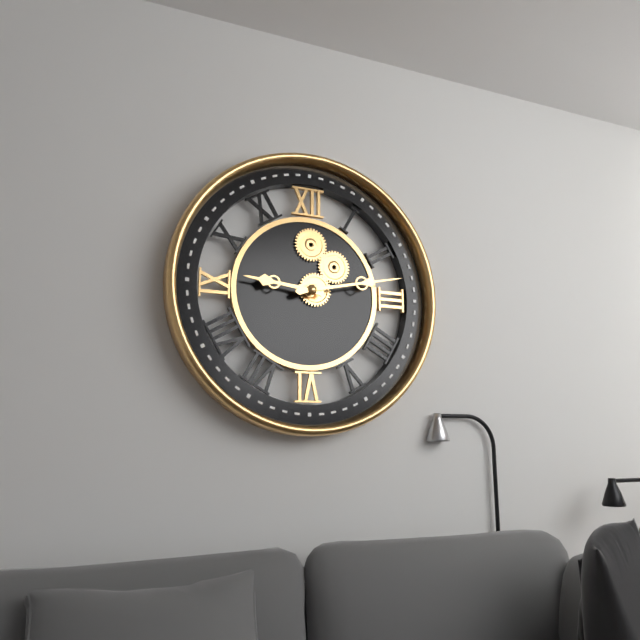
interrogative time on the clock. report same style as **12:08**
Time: **9:13**
